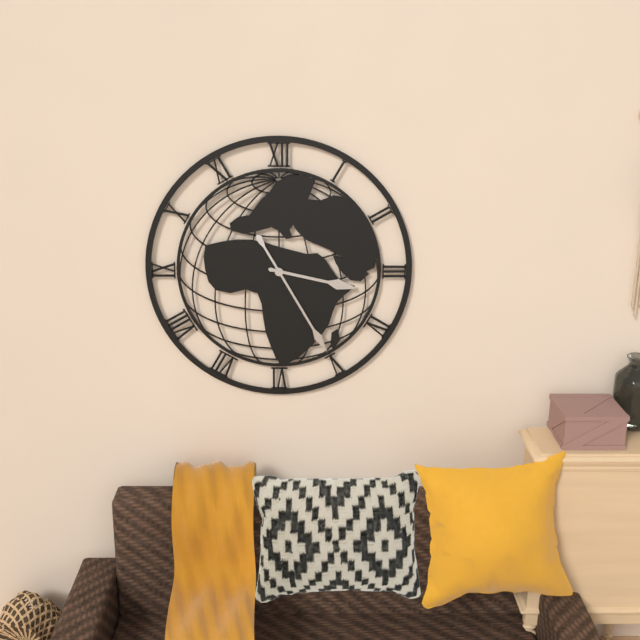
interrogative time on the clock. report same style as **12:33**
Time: **3:25**
